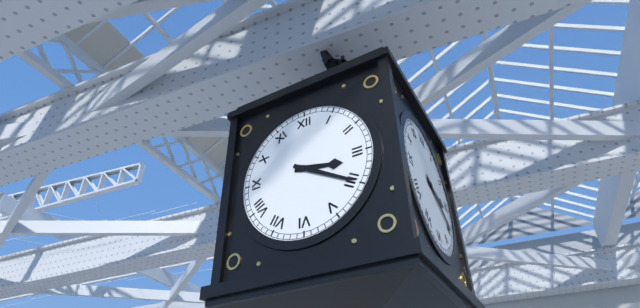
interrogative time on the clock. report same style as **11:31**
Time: **3:20**
